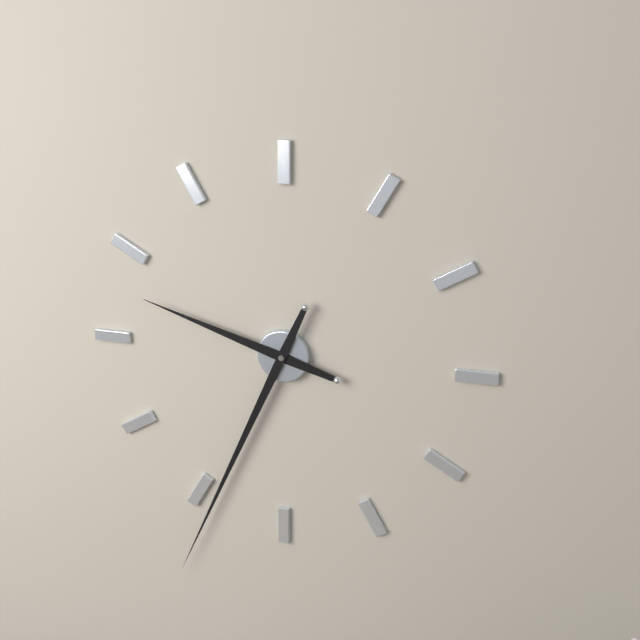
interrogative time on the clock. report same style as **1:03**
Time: **9:34**
